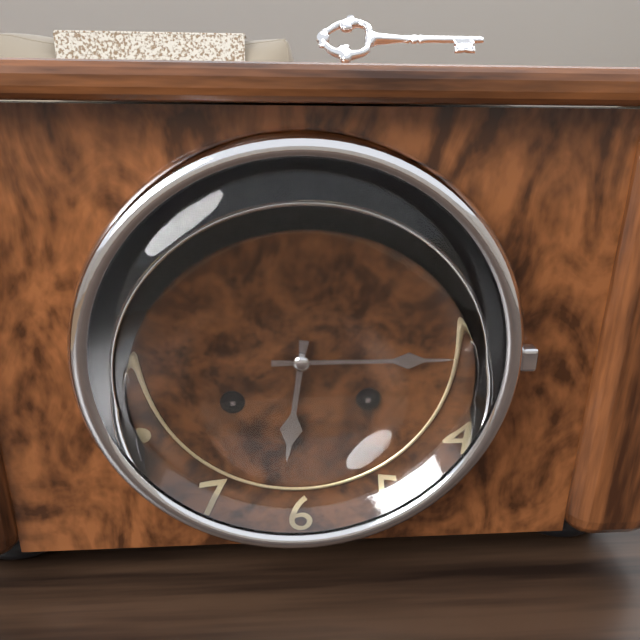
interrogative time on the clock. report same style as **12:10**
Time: **6:15**
